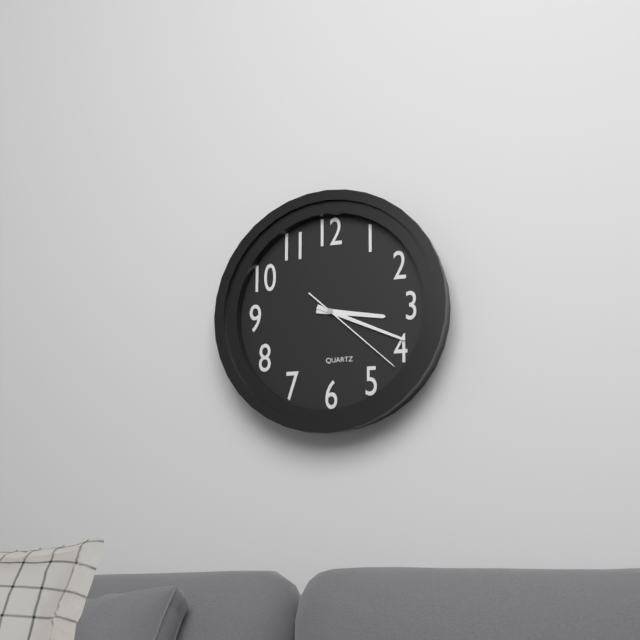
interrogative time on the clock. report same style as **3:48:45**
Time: **3:19:22**
